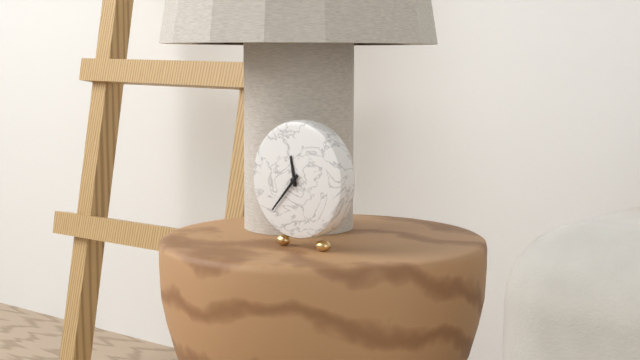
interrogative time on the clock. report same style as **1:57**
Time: **11:37**
